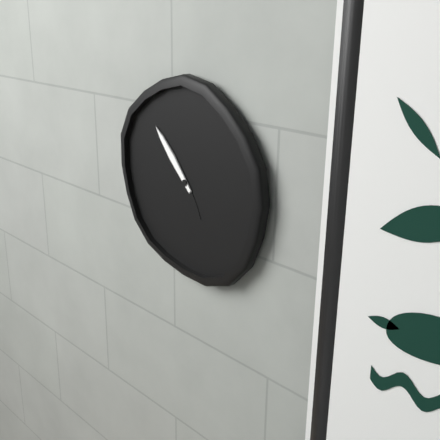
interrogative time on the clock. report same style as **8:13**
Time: **4:53**
